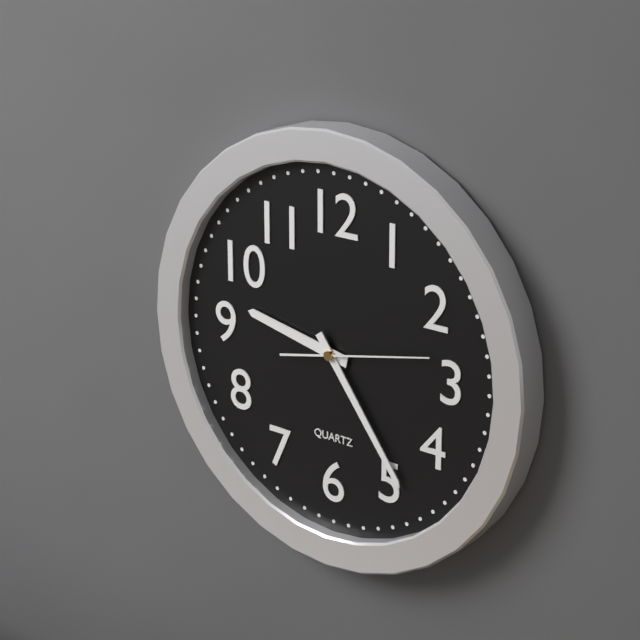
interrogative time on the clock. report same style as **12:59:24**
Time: **9:24:13**
